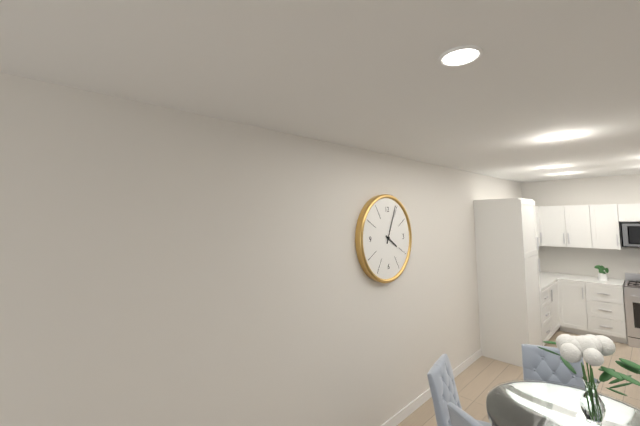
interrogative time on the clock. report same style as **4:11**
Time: **4:04**
